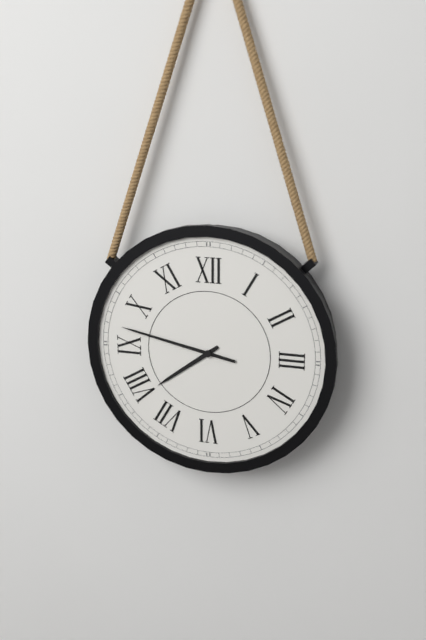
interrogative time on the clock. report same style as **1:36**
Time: **7:47**
